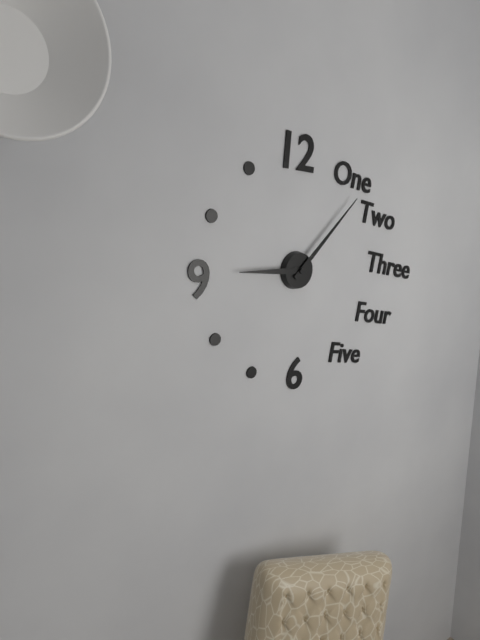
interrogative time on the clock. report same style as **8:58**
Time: **9:08**
